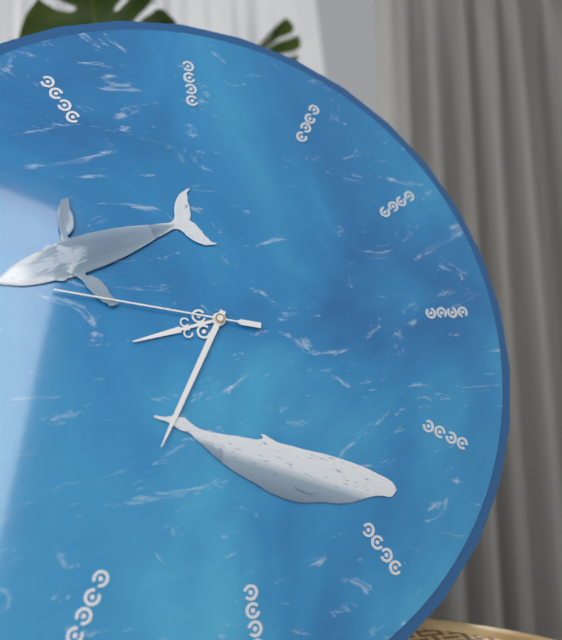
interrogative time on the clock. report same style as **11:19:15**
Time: **8:35:47**
